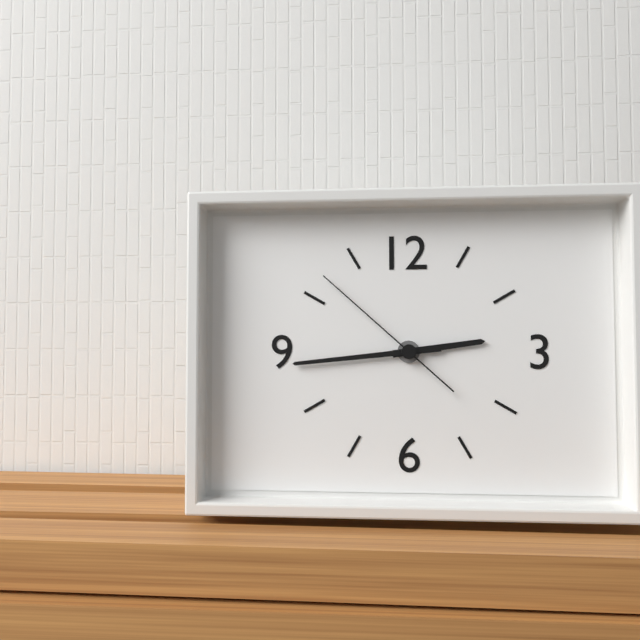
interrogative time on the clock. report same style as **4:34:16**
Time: **2:44:52**
